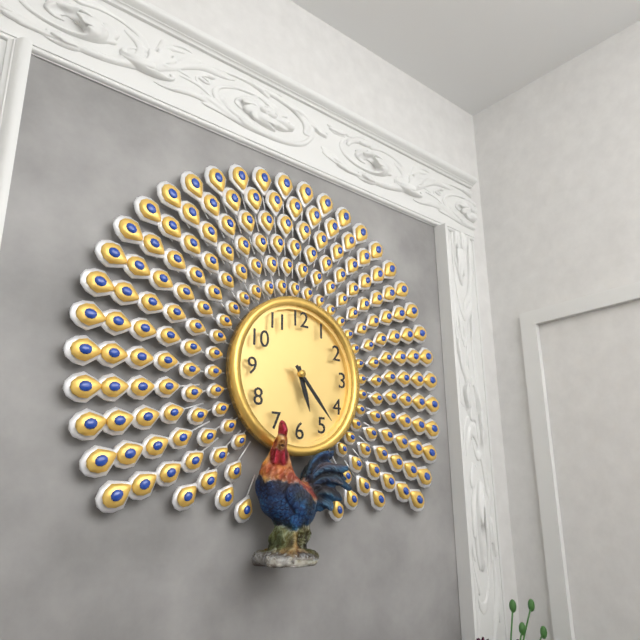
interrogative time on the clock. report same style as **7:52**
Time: **5:23**
